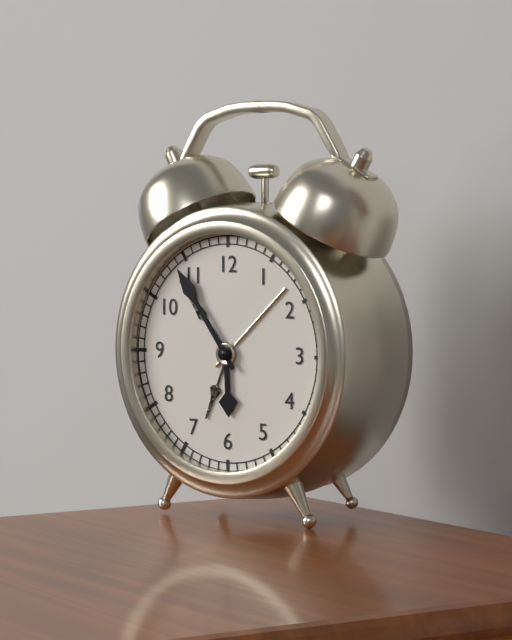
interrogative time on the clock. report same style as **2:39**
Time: **5:54**
